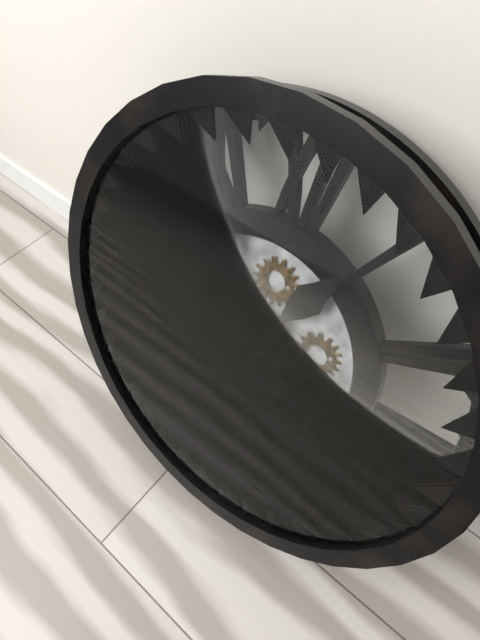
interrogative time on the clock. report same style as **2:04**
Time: **12:55**
